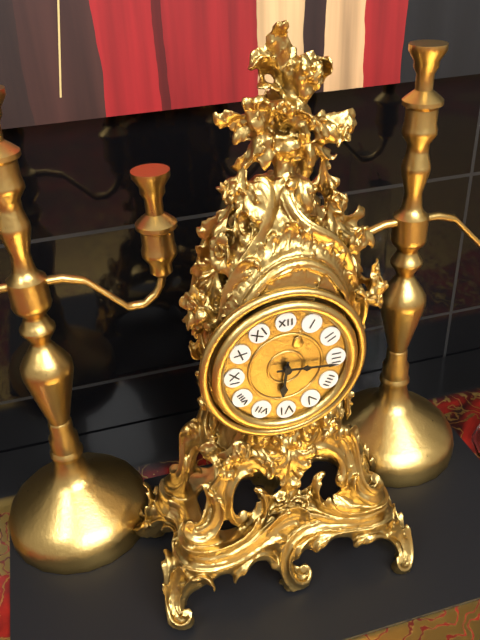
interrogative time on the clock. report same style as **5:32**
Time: **6:16**
